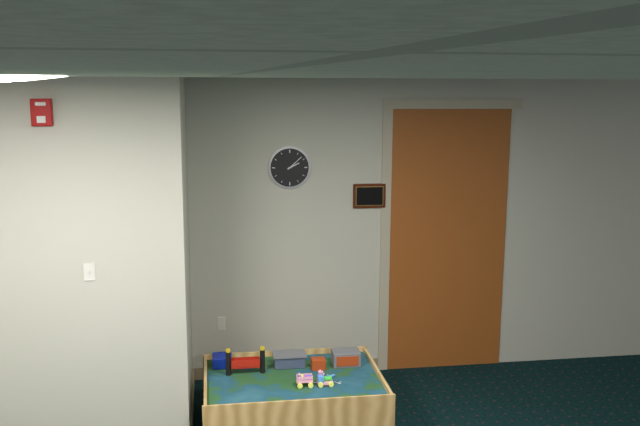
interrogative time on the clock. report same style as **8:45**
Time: **2:08**
